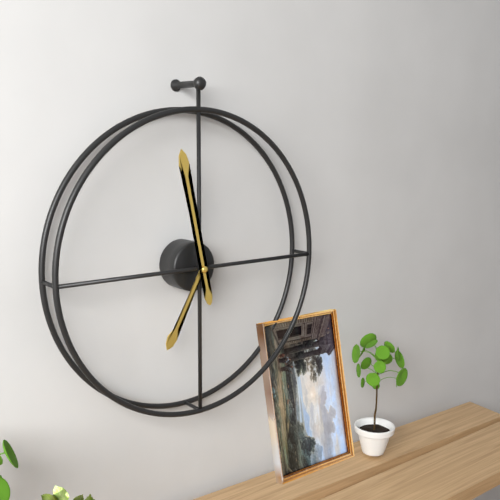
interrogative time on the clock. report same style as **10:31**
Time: **6:58**
